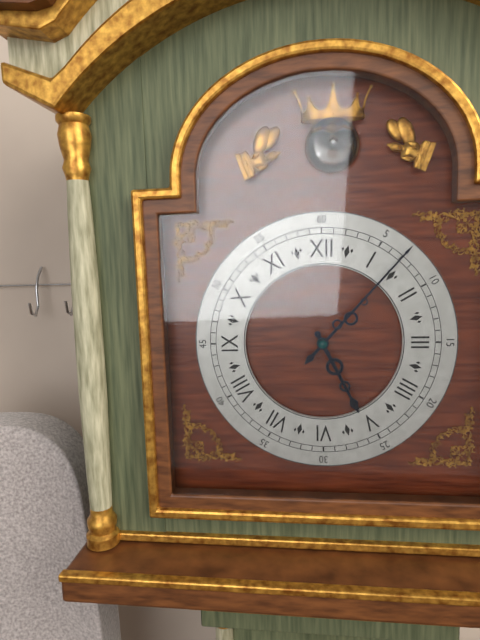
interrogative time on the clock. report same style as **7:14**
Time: **5:07**
